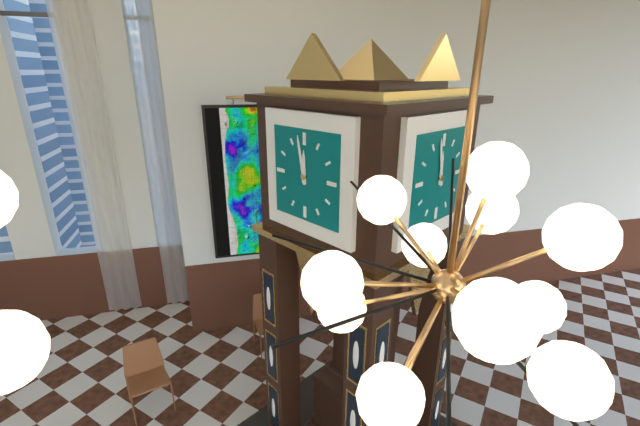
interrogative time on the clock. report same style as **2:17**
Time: **11:58**
